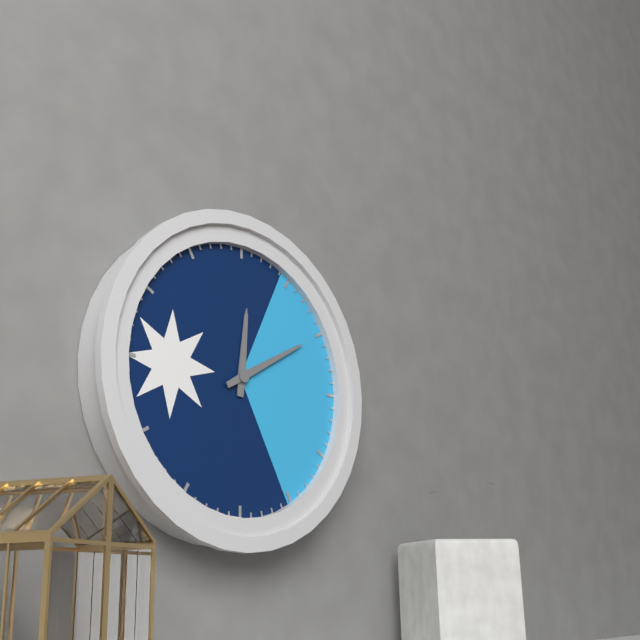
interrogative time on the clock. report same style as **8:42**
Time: **12:10**
